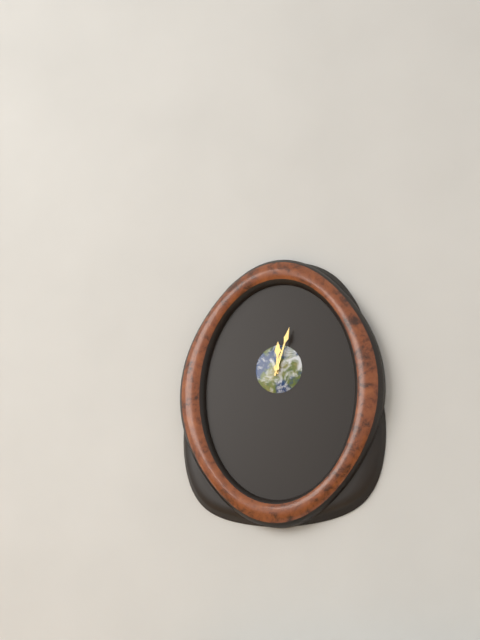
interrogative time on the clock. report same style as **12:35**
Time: **12:03**
